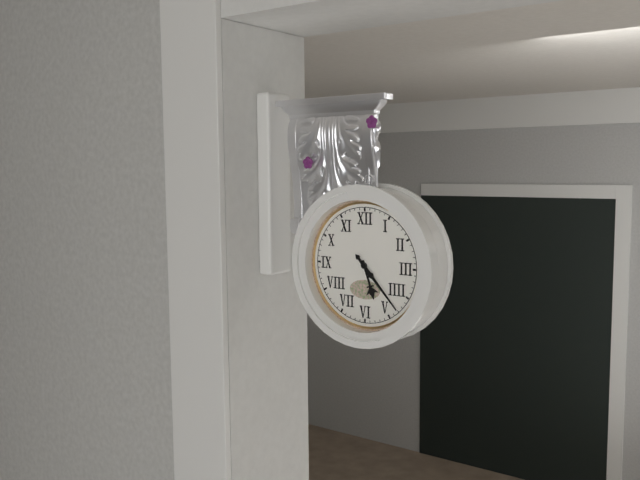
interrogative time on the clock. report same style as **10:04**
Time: **5:23**
